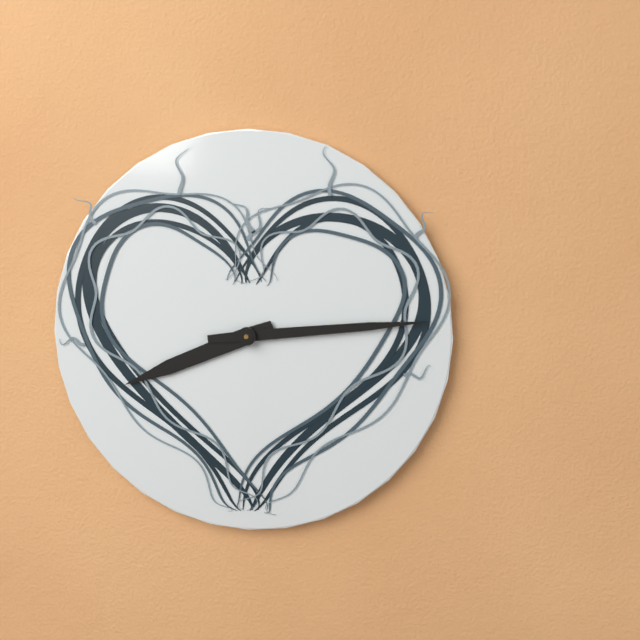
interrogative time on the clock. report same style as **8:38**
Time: **8:14**
